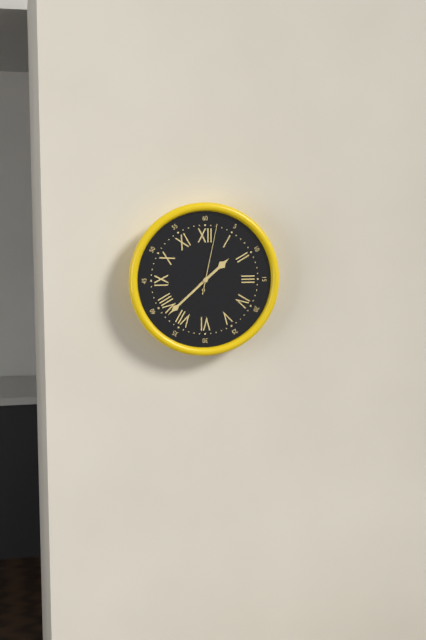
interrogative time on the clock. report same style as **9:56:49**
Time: **1:38:02**
